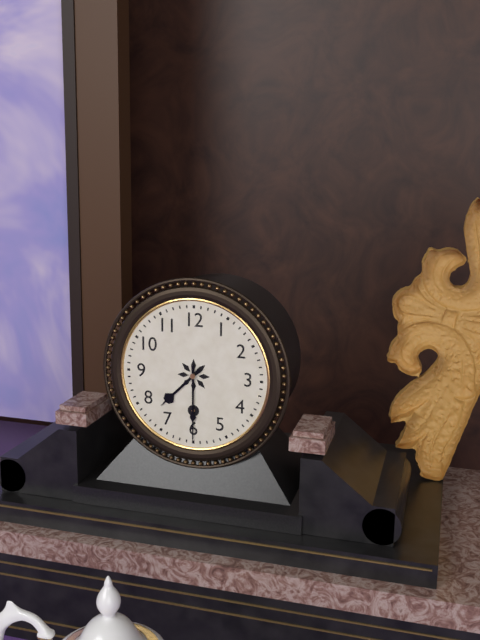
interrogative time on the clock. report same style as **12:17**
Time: **7:30**
